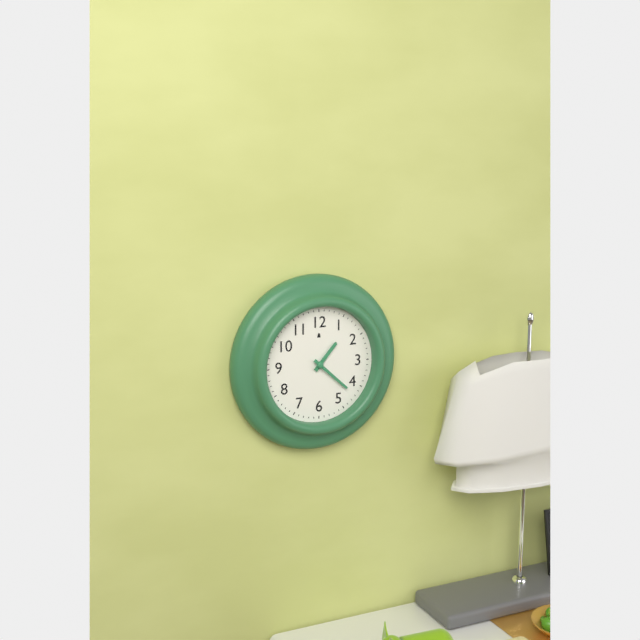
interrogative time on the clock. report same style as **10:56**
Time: **1:22**
